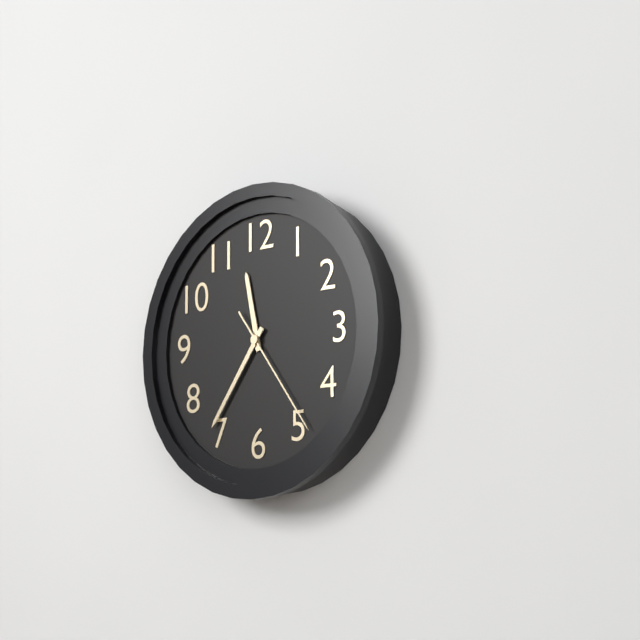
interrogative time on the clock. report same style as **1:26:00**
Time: **11:36:24**
